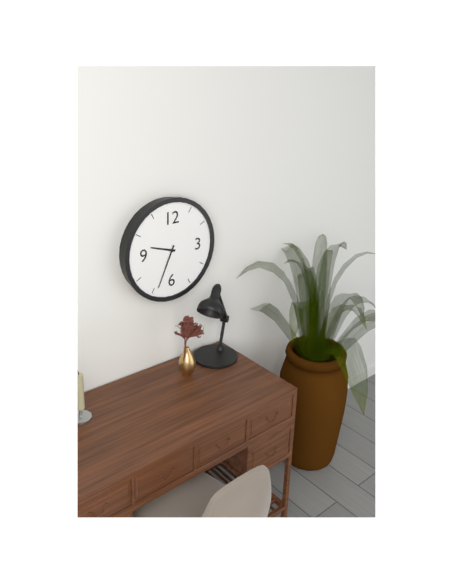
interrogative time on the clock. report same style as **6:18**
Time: **9:34**
